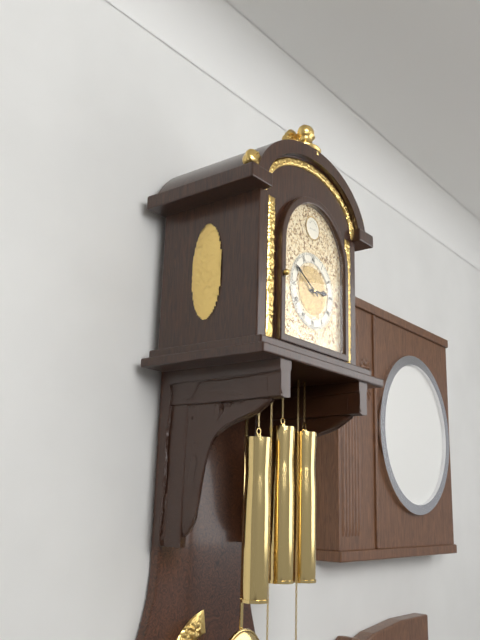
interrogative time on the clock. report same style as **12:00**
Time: **2:50**
